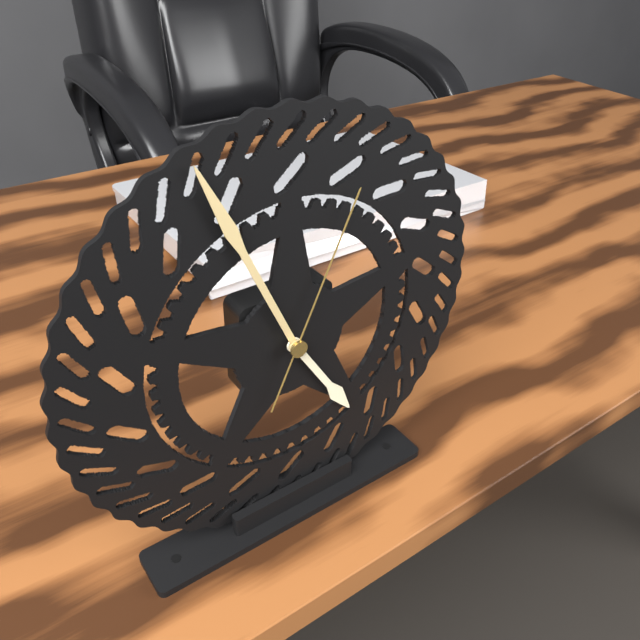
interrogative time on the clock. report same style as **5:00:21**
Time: **4:56:04**
